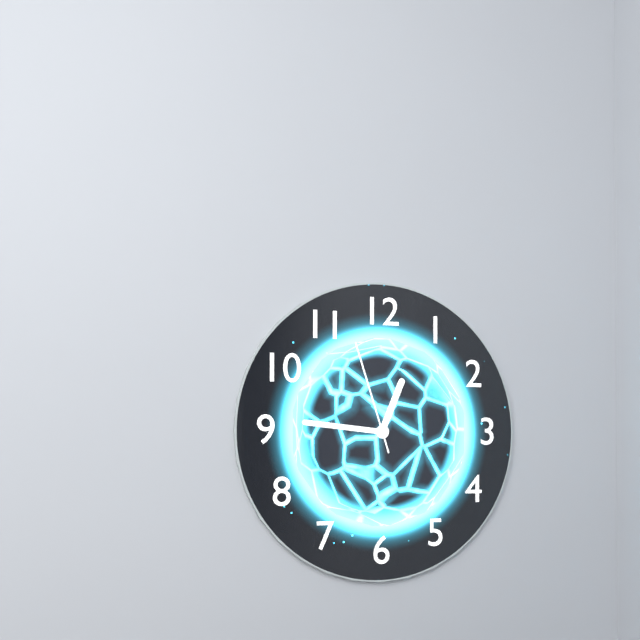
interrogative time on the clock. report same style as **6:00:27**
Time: **12:46:57**
